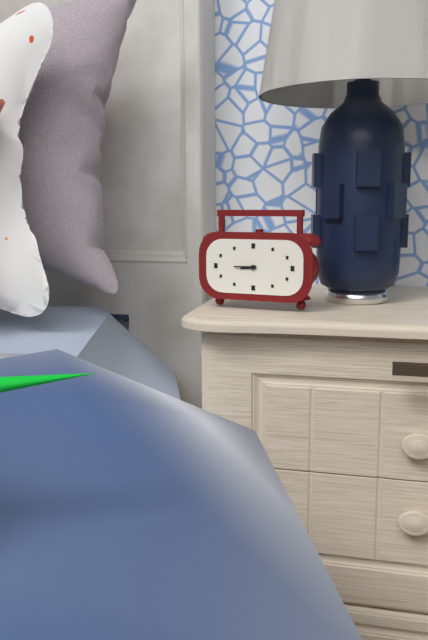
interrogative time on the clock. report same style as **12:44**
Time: **8:45**
